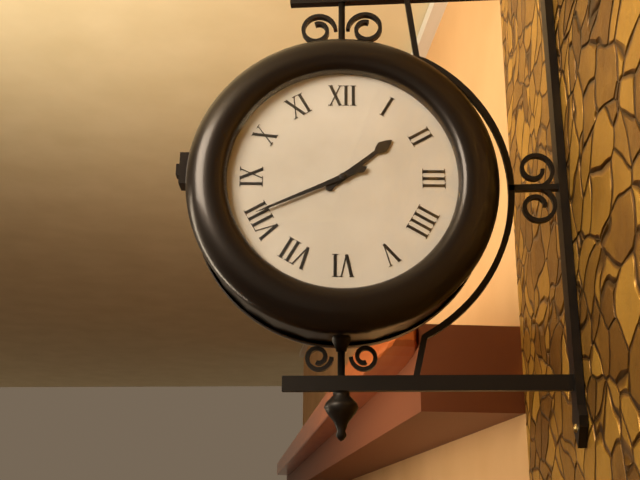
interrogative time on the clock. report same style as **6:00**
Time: **1:41**
